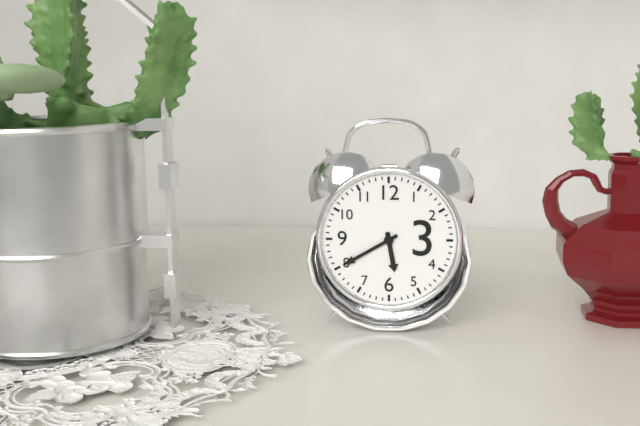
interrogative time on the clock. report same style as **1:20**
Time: **5:40**
